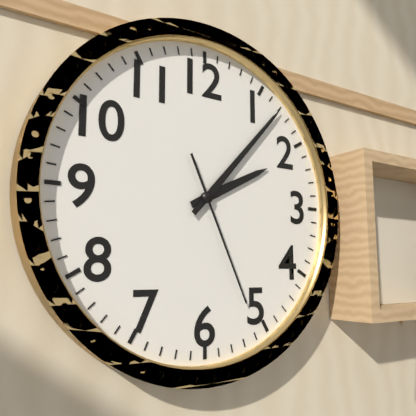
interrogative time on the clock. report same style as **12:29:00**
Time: **2:07:26**
